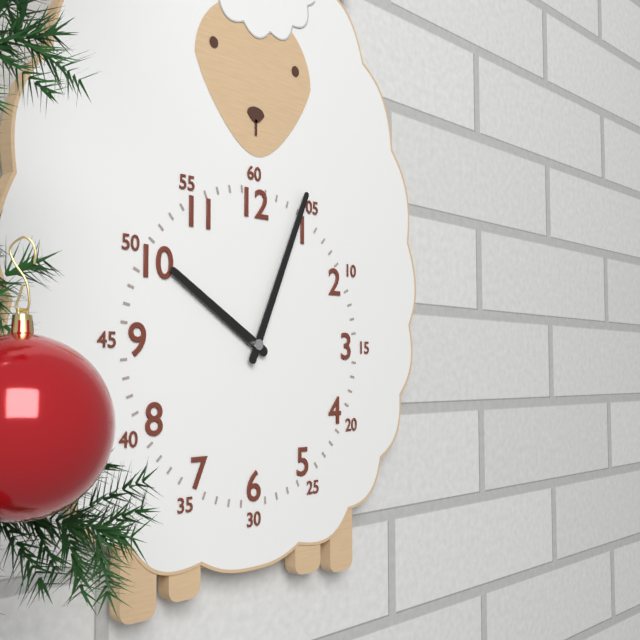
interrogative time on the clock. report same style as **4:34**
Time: **10:04**
